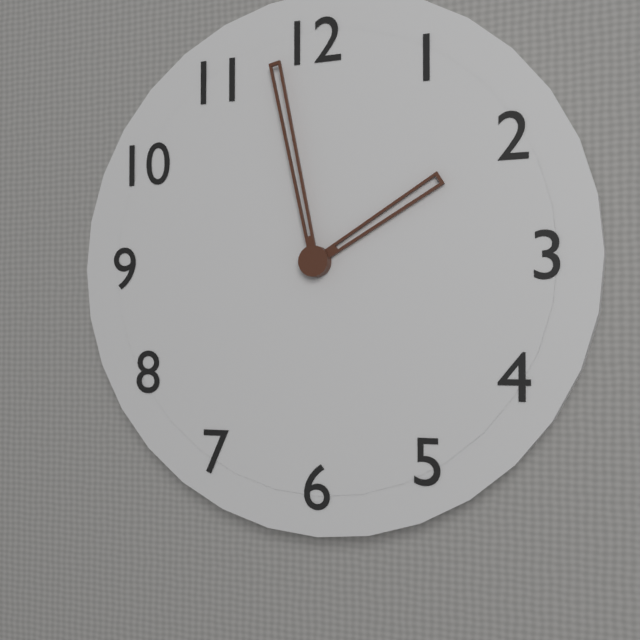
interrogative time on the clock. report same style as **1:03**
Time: **1:58**
